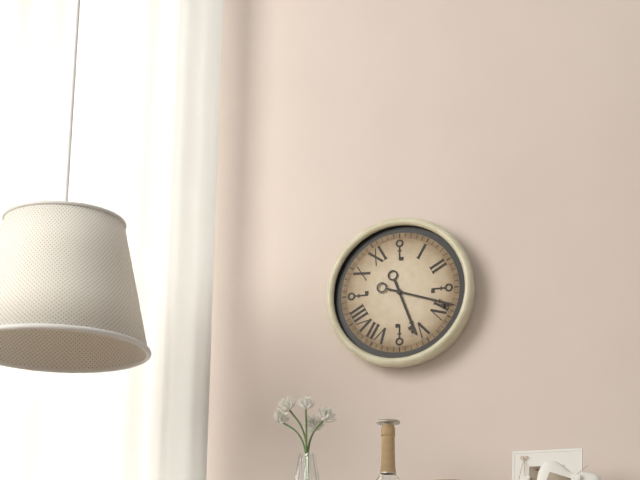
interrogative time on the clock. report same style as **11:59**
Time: **5:18**
